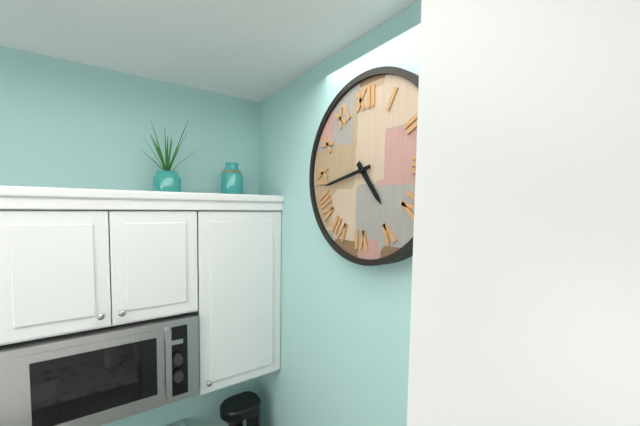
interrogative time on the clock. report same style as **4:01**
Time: **4:43**
